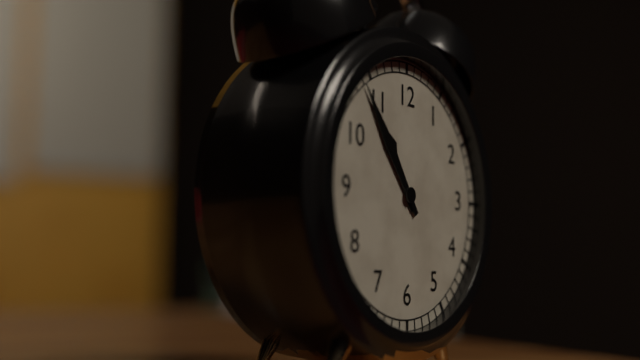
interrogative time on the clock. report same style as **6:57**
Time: **10:54**
